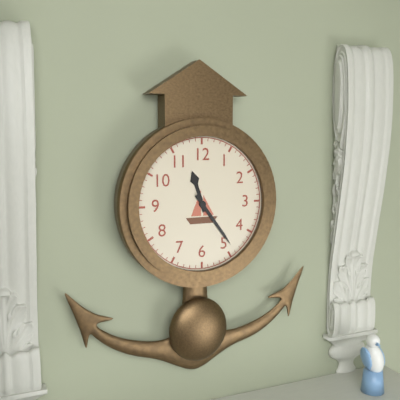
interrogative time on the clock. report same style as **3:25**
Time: **11:24**
